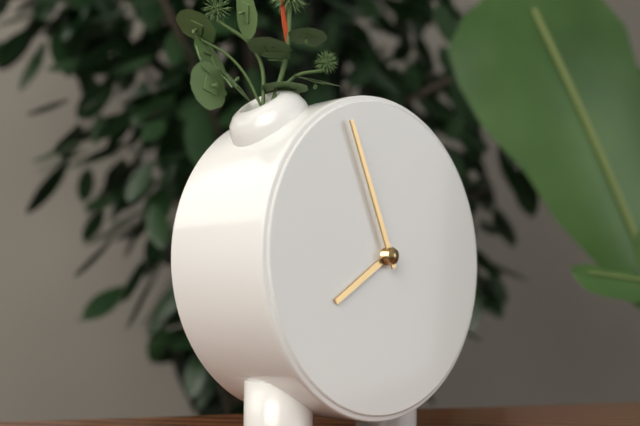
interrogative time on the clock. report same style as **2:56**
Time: **7:56**
